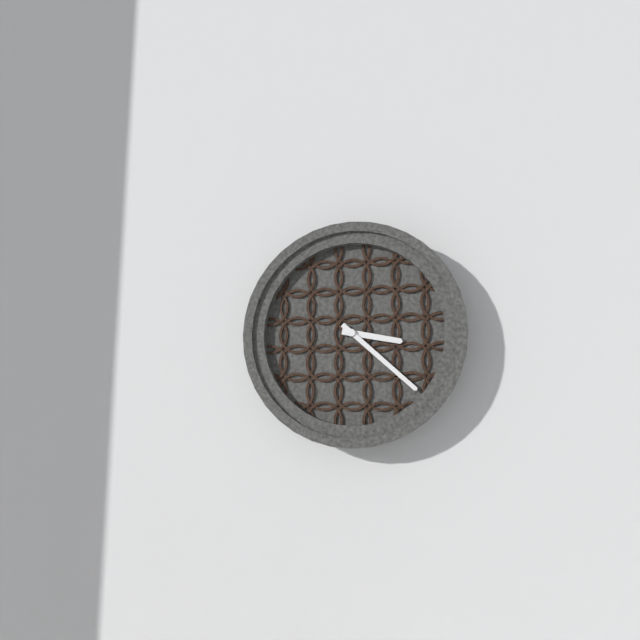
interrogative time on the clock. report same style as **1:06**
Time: **3:22**
